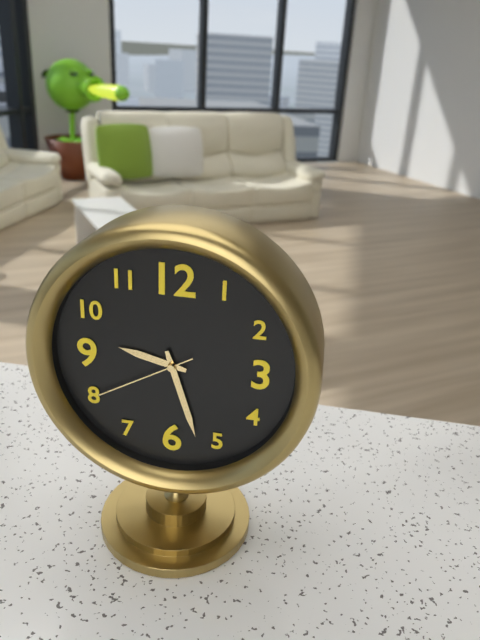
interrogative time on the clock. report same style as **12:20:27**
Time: **9:27:40**
